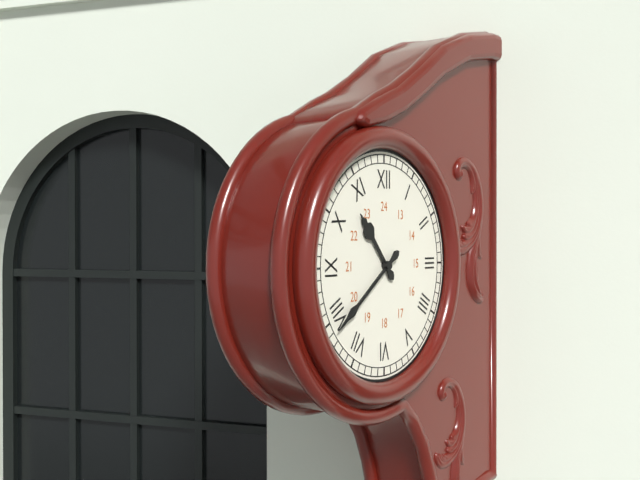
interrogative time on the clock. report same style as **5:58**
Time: **10:39**
